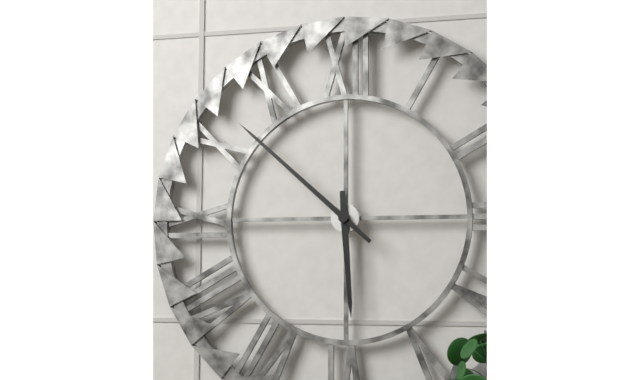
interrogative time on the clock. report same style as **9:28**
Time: **5:52**
